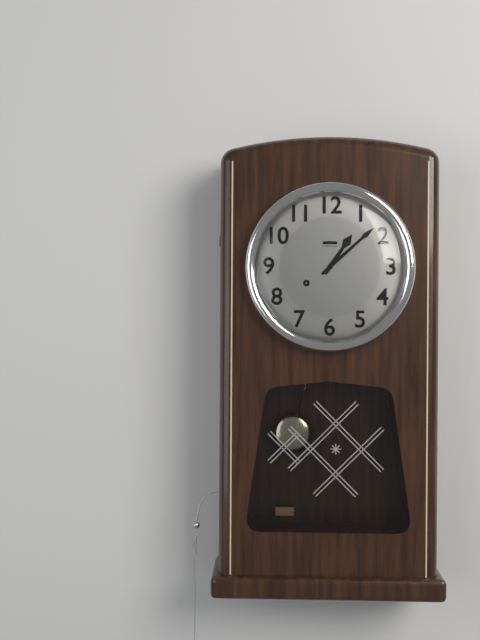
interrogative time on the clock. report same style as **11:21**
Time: **1:08**
